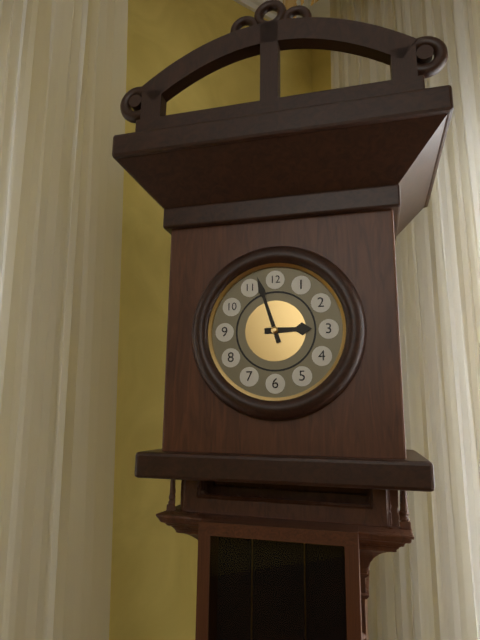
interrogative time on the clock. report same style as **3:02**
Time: **2:57**
